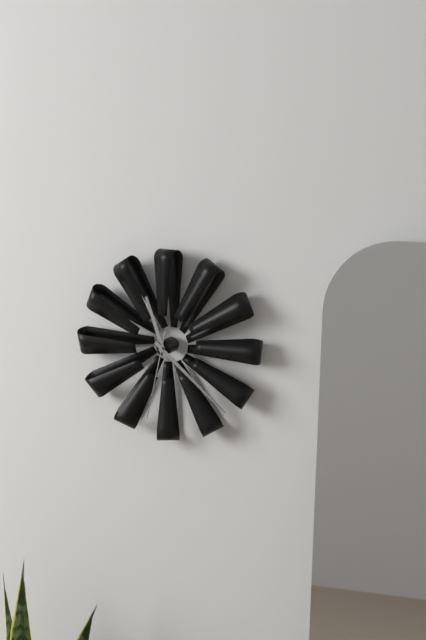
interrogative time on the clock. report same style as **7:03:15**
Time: **11:22:32**
